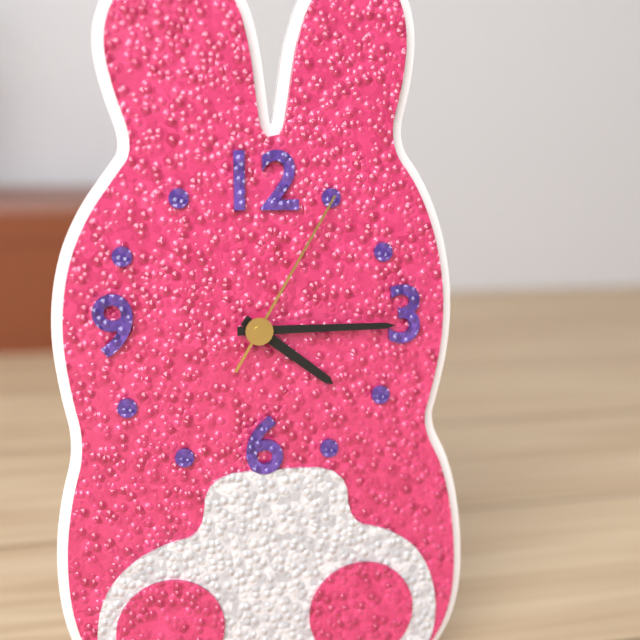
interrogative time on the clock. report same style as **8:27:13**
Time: **4:15:05**
